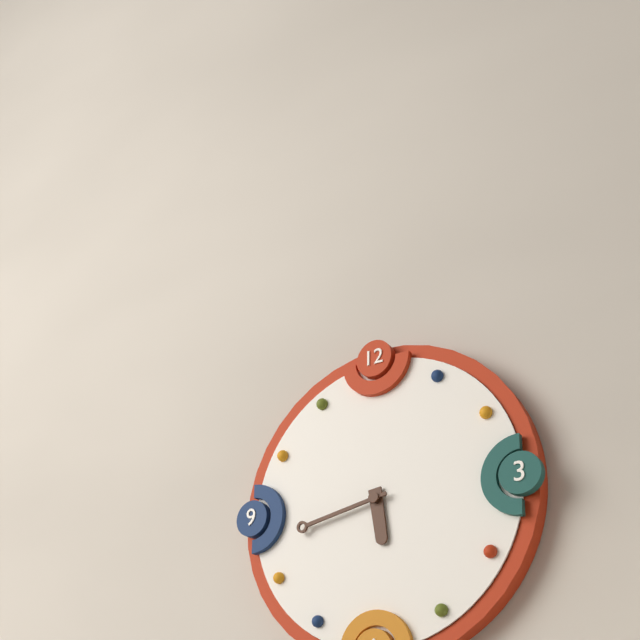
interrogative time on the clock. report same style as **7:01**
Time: **5:43**
